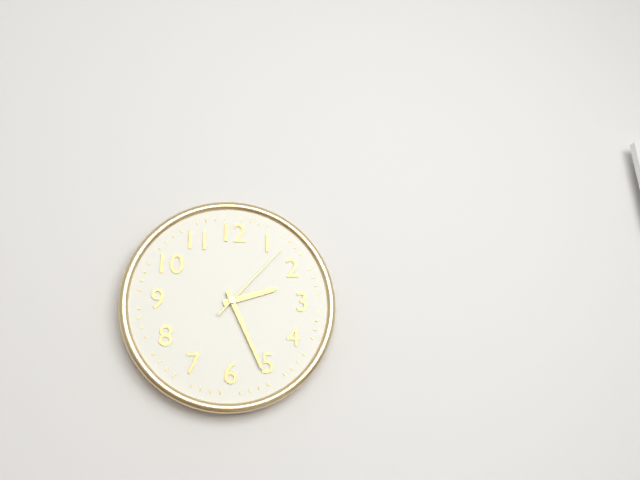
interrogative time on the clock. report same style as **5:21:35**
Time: **2:26:07**
